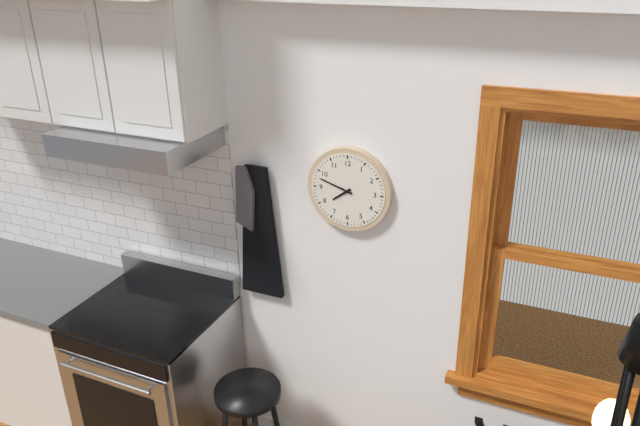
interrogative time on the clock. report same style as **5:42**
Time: **7:48**
